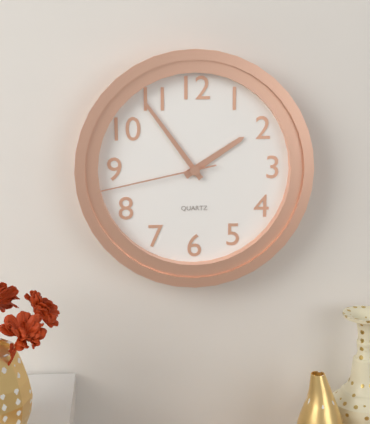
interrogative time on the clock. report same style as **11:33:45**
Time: **1:54:43**
